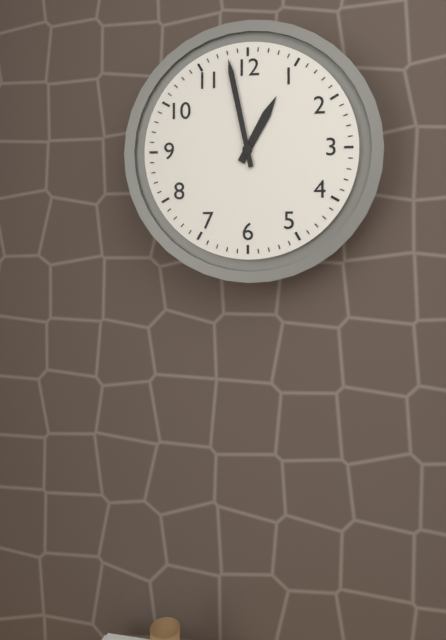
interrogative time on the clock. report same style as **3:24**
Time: **12:58**
